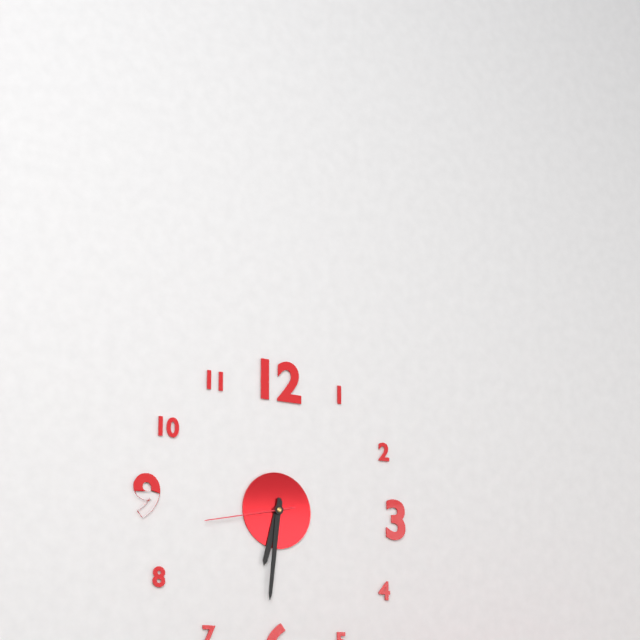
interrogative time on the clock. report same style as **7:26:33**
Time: **6:31:43**
